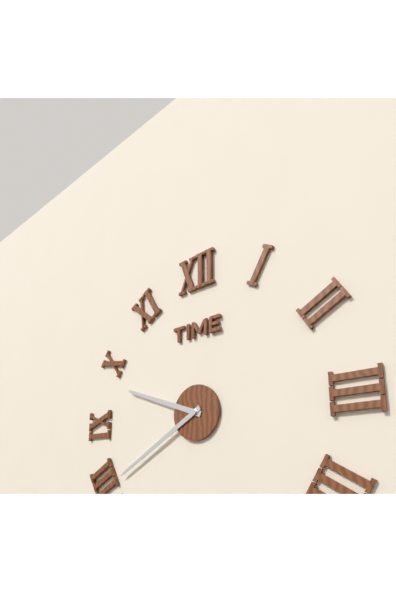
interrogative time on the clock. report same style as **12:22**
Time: **9:40**
